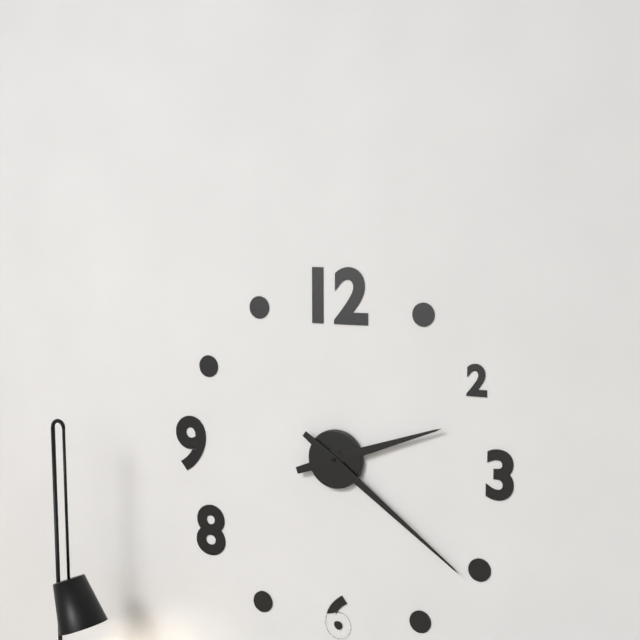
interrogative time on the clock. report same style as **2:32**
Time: **2:21**
